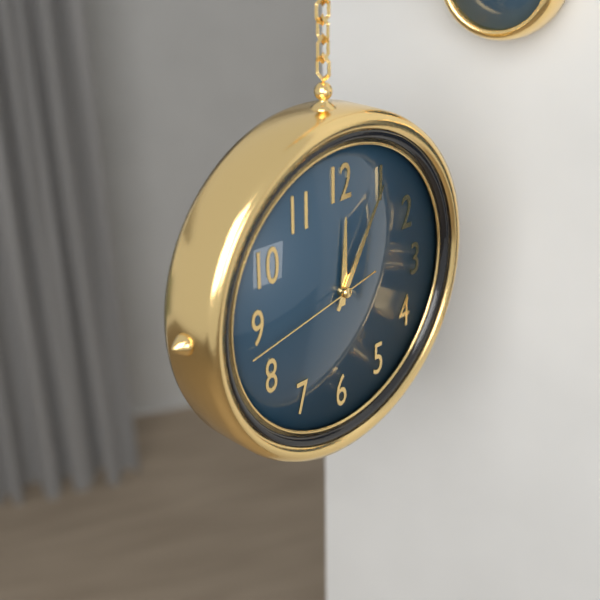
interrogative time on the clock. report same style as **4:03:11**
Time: **12:05:43**
